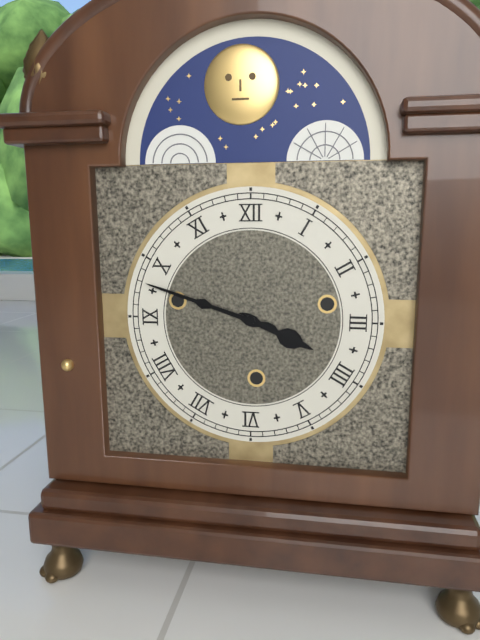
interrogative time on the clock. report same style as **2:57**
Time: **3:48**
